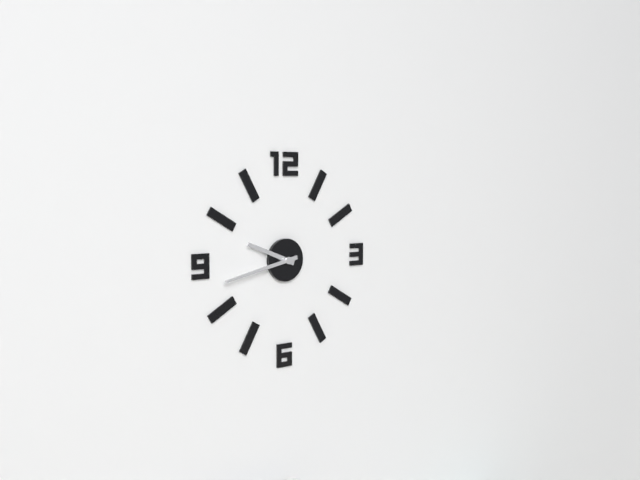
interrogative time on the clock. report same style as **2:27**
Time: **9:43**
